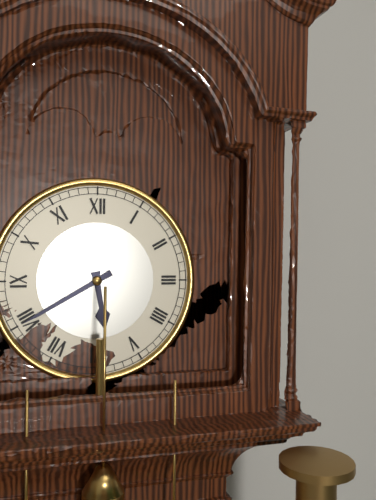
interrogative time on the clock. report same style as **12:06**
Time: **5:40**
